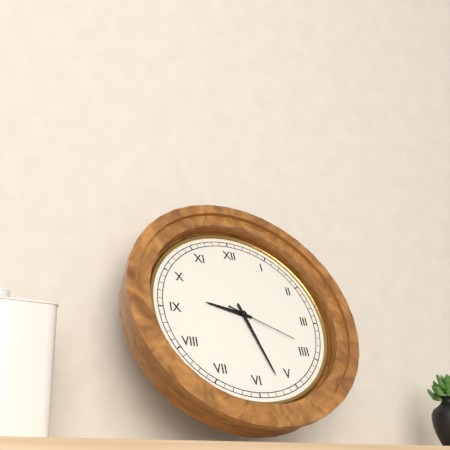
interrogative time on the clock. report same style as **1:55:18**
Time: **9:27:19**
